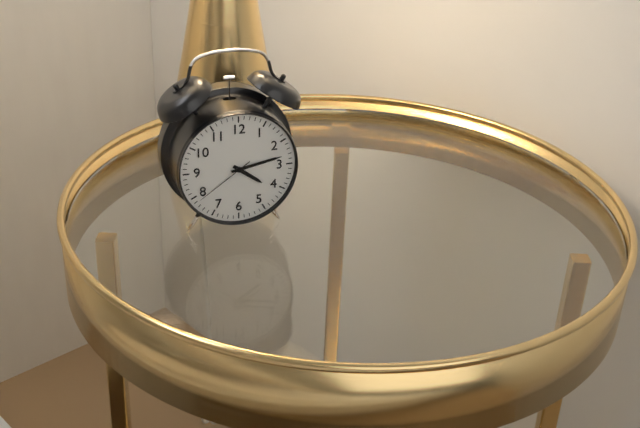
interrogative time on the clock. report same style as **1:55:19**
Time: **4:13:39**
